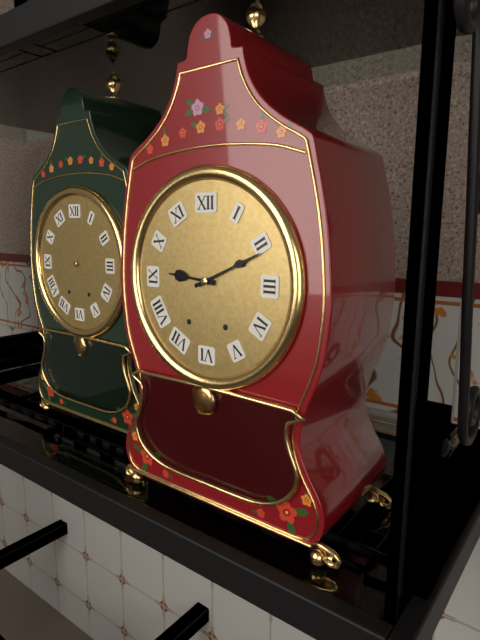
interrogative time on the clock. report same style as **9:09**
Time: **9:11**
